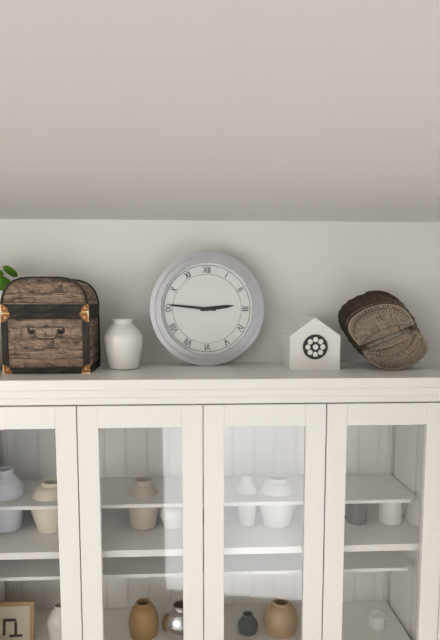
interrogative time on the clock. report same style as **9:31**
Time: **2:46**
